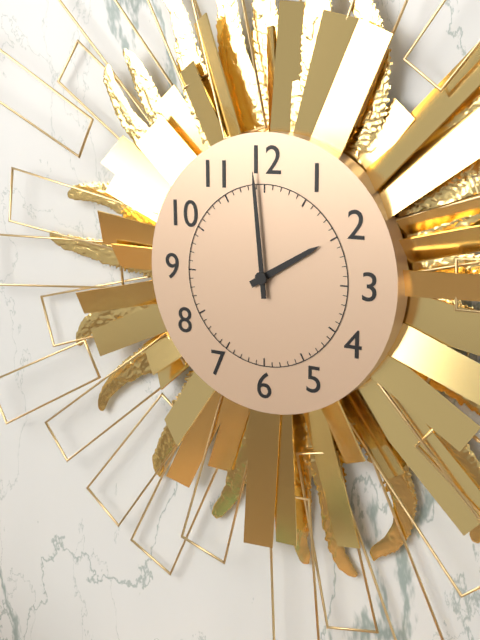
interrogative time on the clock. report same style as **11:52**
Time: **1:59**
